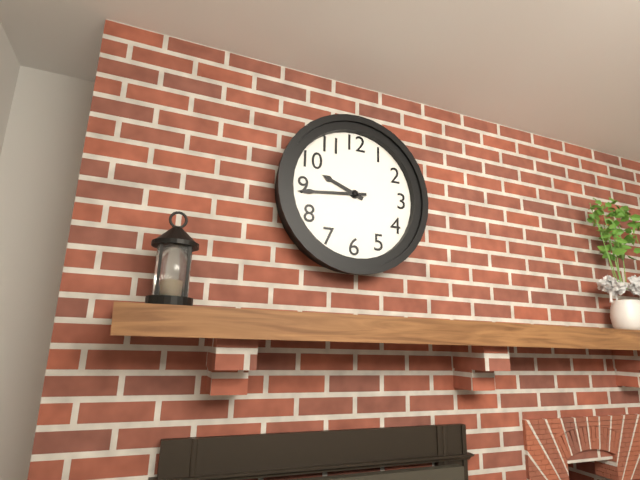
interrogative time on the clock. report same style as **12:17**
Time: **9:44**
